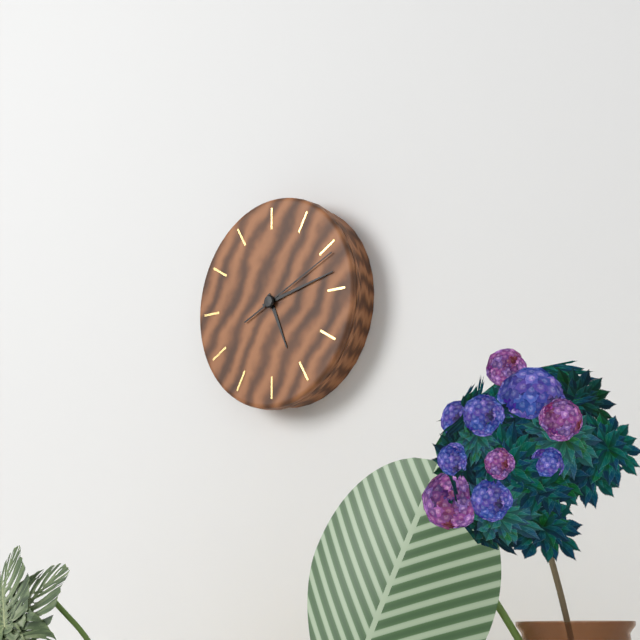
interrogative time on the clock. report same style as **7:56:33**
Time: **5:13:11**
